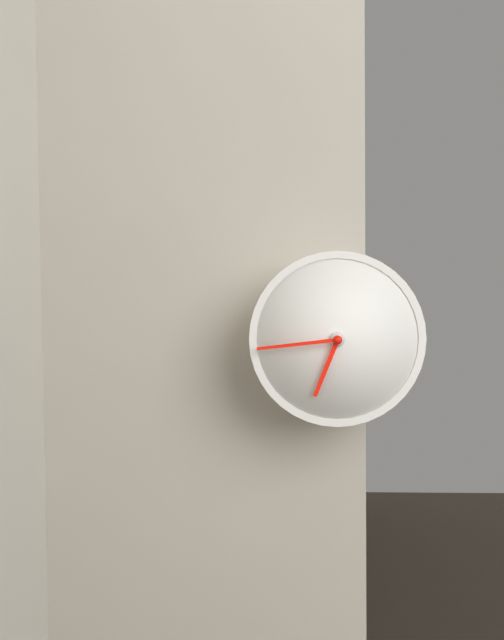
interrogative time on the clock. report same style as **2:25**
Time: **6:44**
